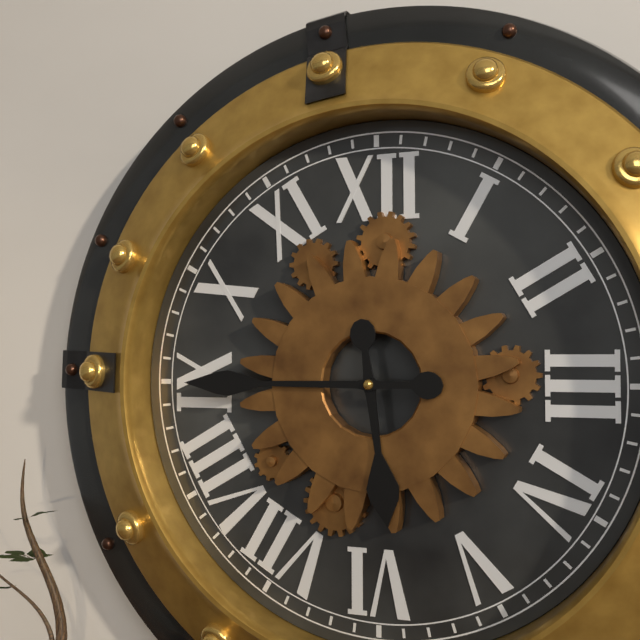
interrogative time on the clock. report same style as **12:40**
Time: **5:45**
